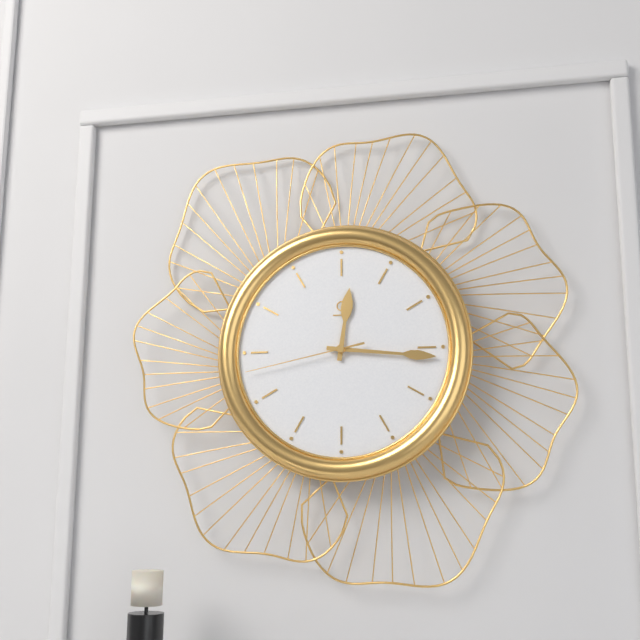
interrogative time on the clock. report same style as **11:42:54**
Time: **12:16:43**
